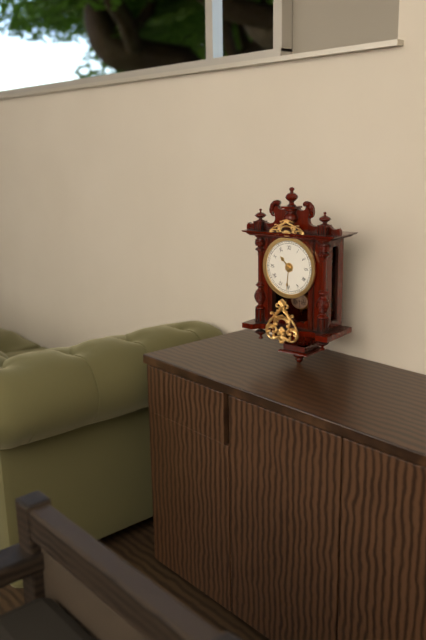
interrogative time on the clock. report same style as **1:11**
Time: **10:31**
